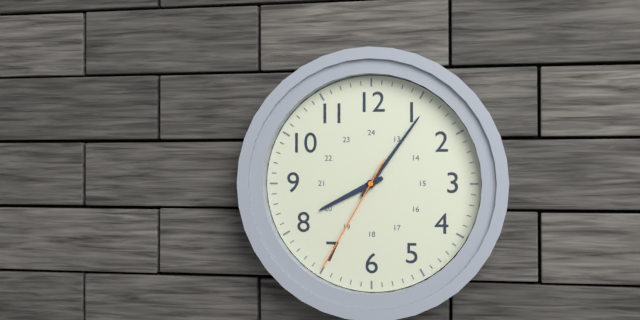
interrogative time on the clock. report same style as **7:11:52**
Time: **8:06:35**
